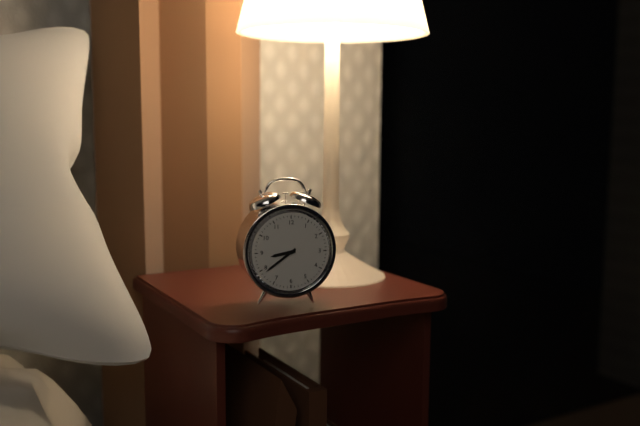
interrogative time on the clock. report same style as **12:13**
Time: **8:39**
